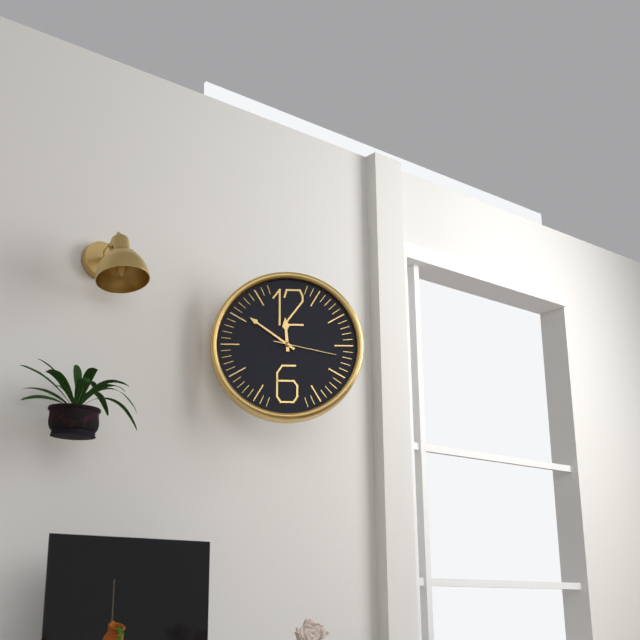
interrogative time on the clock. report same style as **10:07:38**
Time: **11:51:17**
